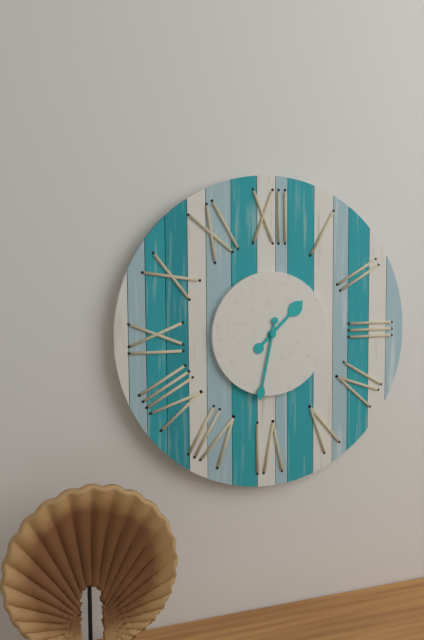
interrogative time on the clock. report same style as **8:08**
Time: **1:32**
